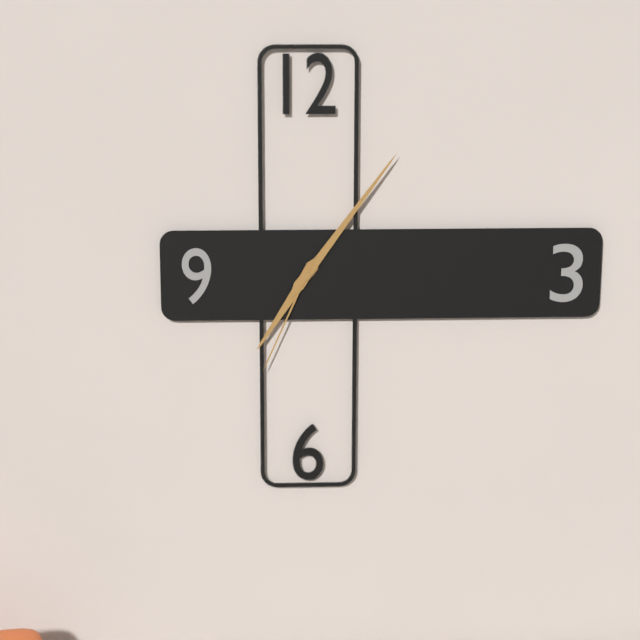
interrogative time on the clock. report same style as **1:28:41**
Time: **7:06:34**
